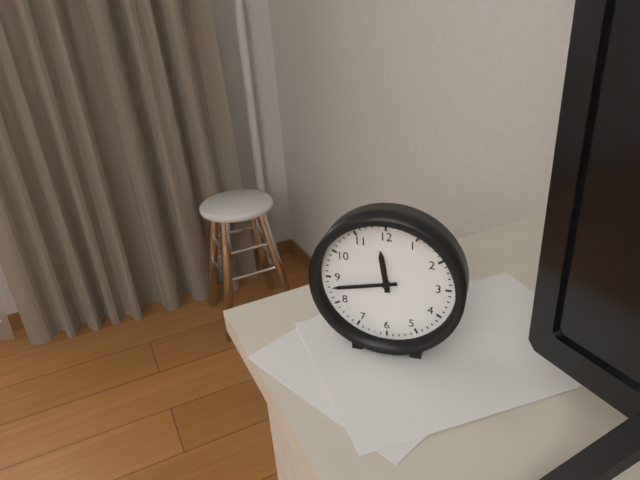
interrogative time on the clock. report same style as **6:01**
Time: **11:43**
